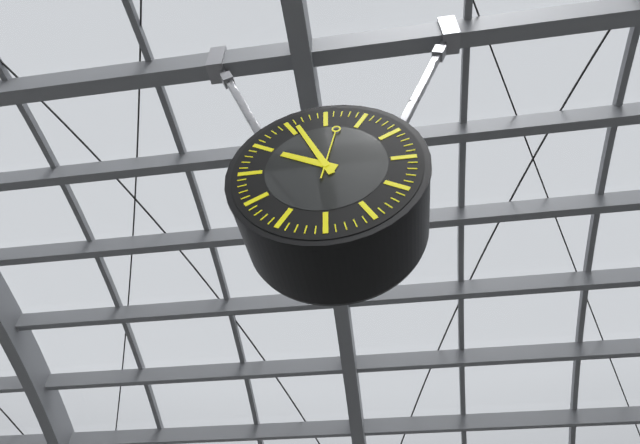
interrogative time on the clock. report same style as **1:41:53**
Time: **9:56:02**
